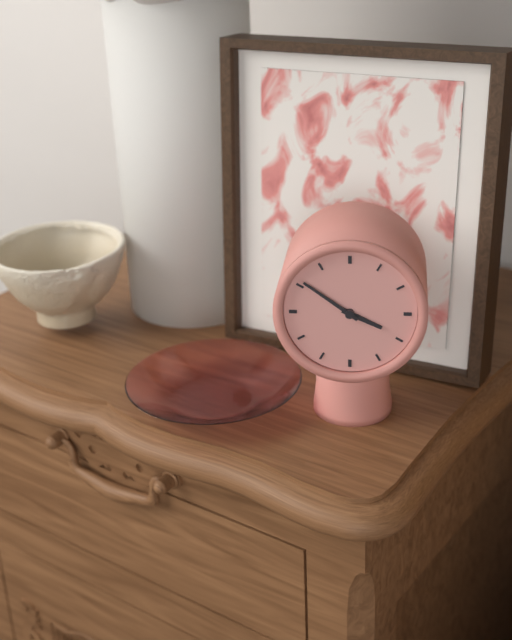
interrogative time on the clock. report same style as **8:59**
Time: **3:51**
